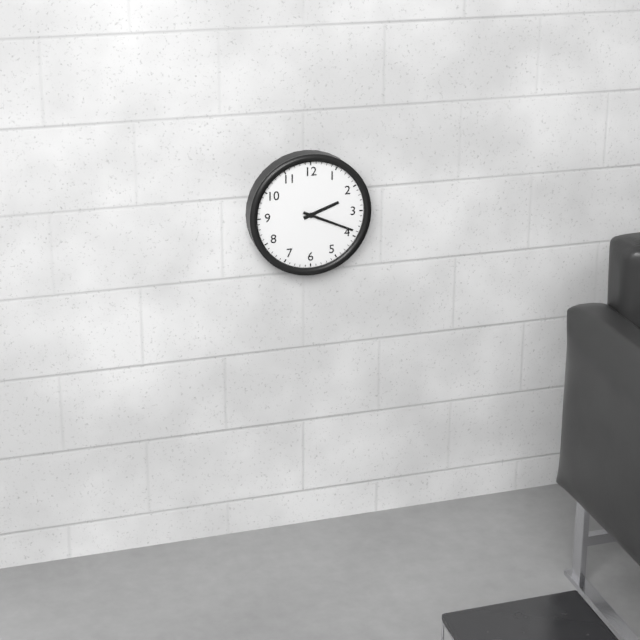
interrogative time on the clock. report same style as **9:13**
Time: **2:19**
